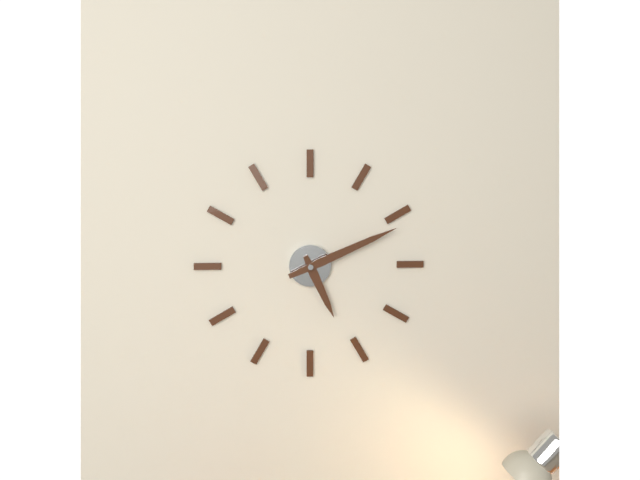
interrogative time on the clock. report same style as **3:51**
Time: **5:11**
